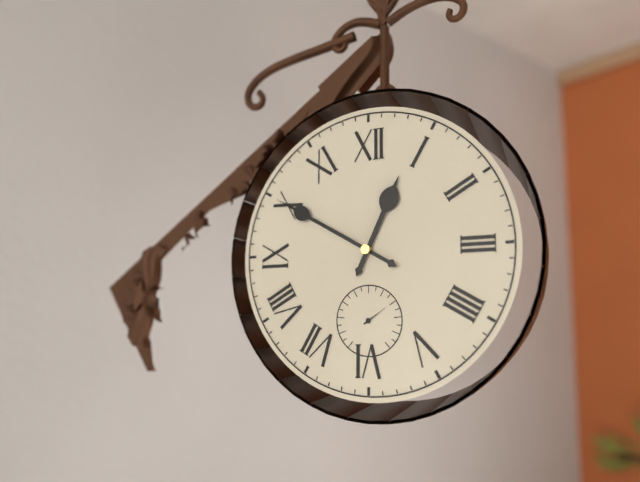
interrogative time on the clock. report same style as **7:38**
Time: **12:50**
